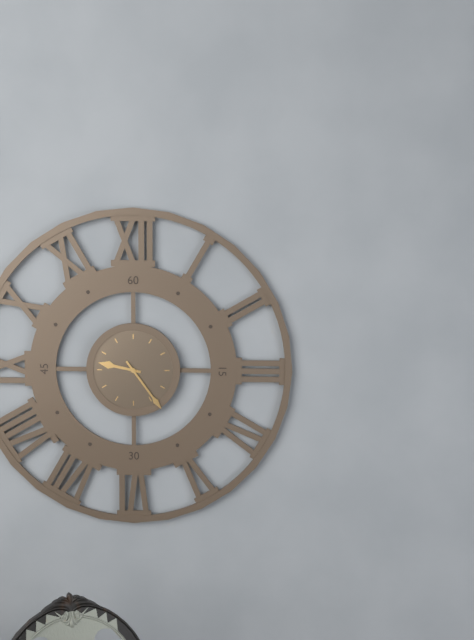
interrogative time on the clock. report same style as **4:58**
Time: **9:24**
